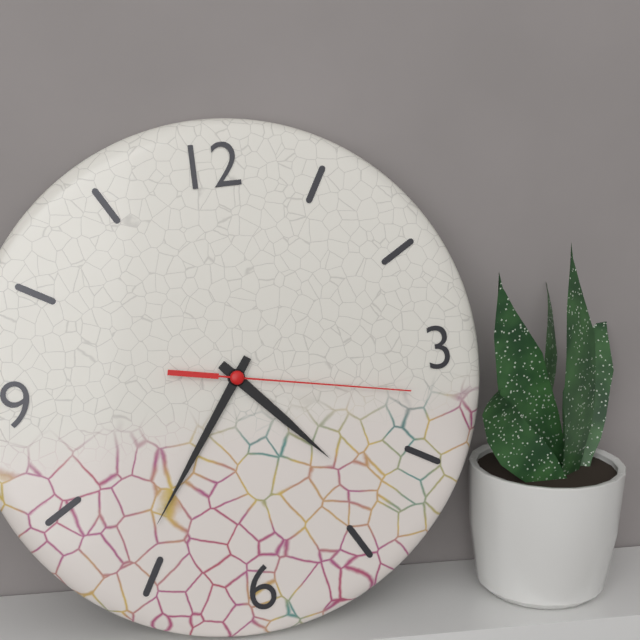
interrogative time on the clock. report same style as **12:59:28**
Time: **4:36:17**
